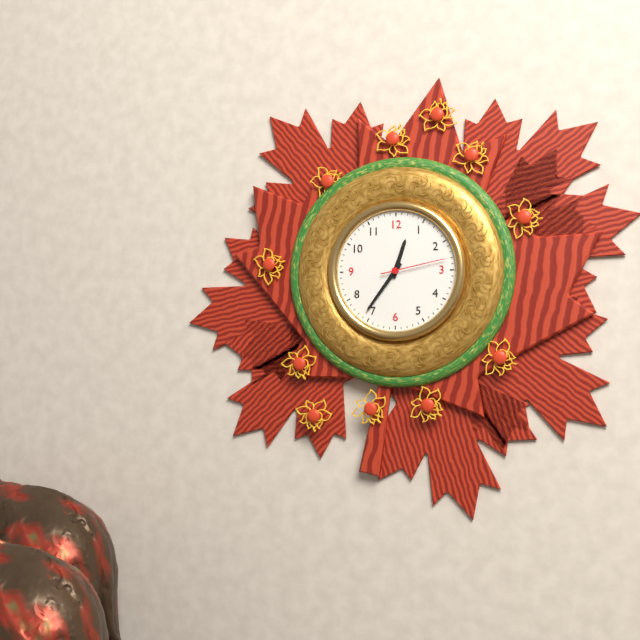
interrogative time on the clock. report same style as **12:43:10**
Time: **12:36:13**
